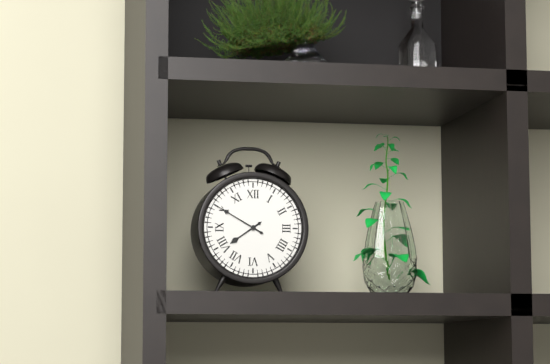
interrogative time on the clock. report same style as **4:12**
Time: **7:50**
